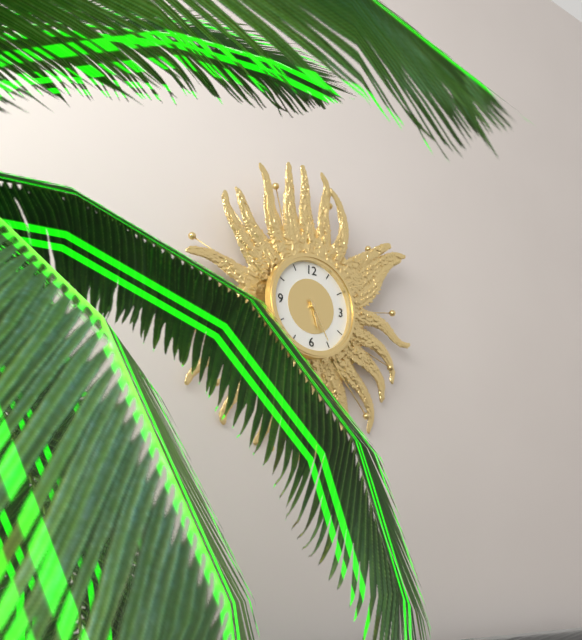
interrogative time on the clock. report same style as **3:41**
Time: **5:25**
